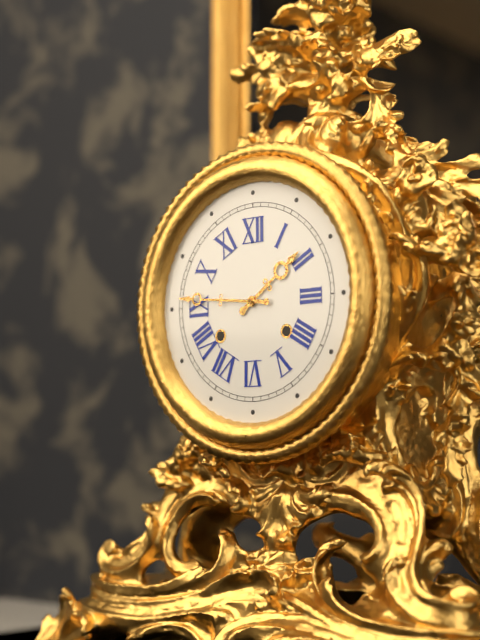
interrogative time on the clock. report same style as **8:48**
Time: **1:46**
